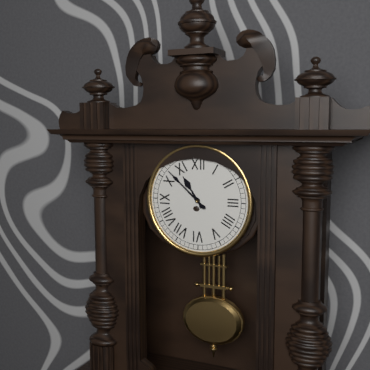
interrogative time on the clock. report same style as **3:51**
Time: **10:52**
